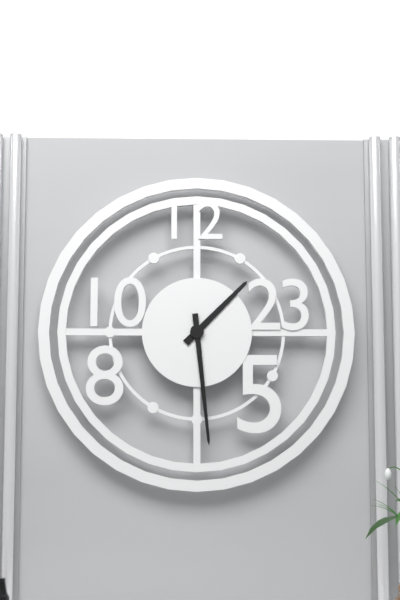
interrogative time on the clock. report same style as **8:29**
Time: **1:29**
